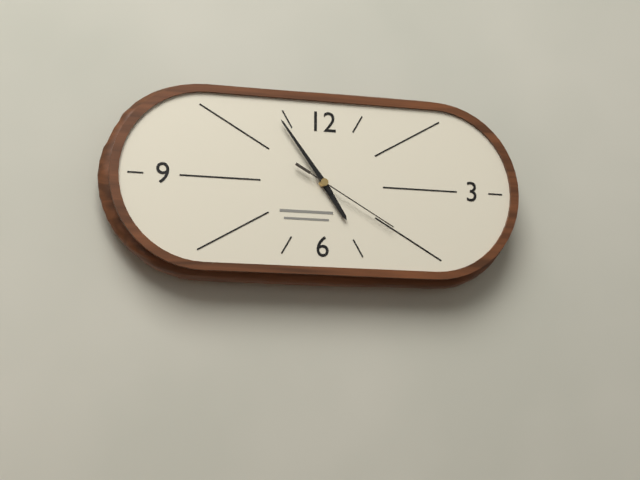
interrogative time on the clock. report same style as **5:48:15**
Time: **4:54:20**
